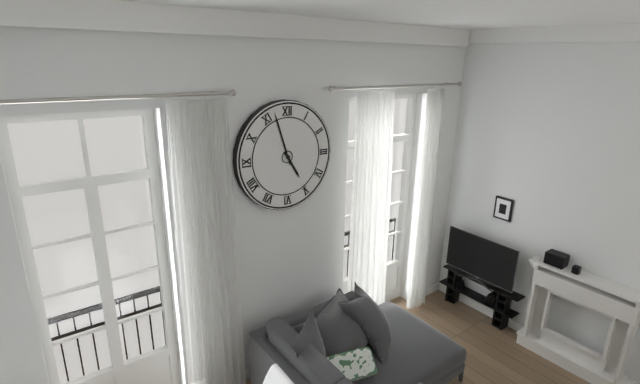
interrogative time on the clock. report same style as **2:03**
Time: **4:57**
